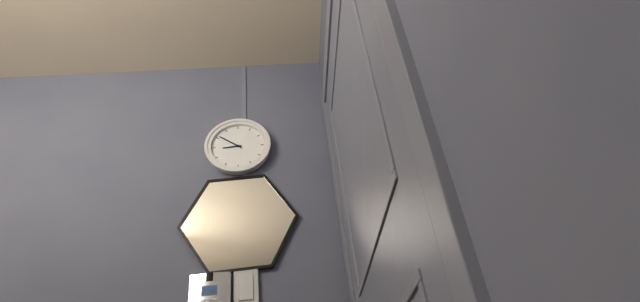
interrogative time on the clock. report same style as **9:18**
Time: **8:51**
